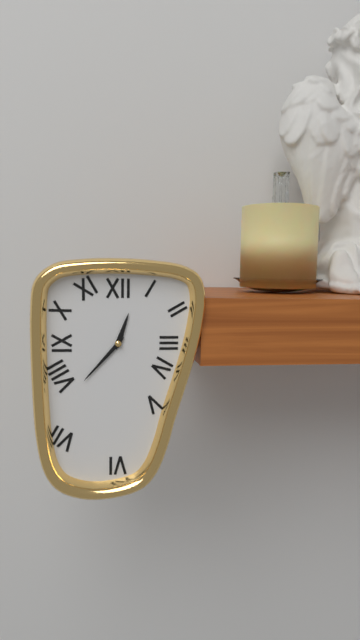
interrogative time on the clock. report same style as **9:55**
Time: **12:37**
